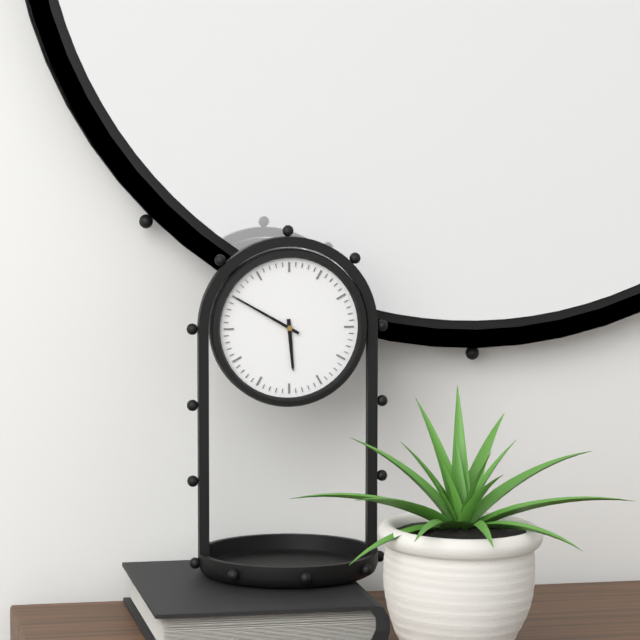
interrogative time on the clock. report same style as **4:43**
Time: **5:50**
